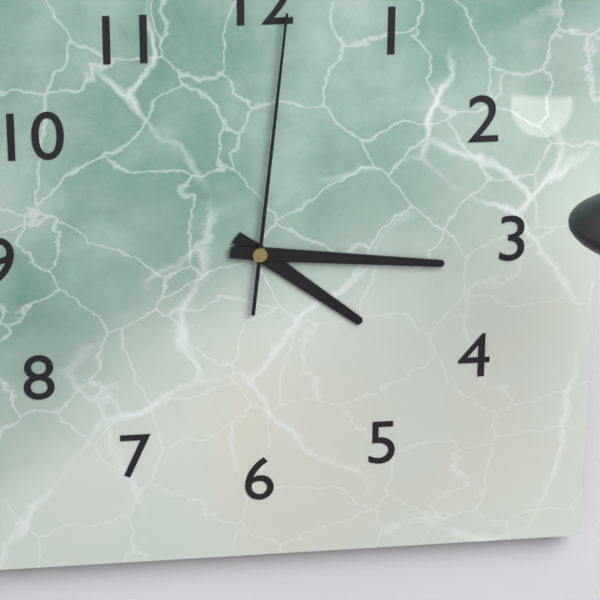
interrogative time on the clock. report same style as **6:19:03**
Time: **4:16:01**
